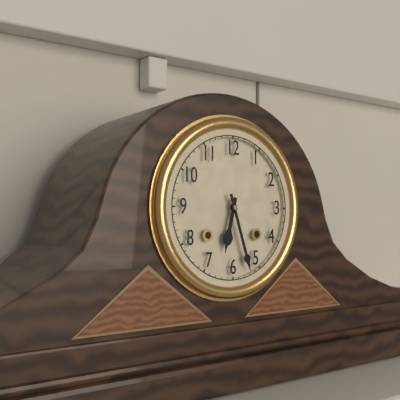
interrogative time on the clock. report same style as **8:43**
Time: **6:27**
